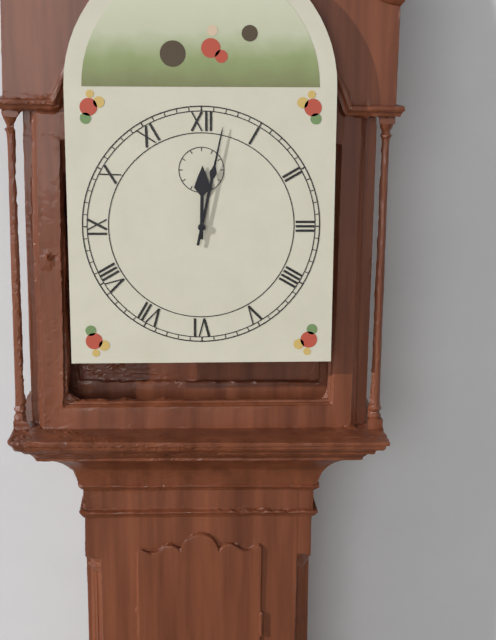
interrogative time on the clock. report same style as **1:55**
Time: **12:02**
